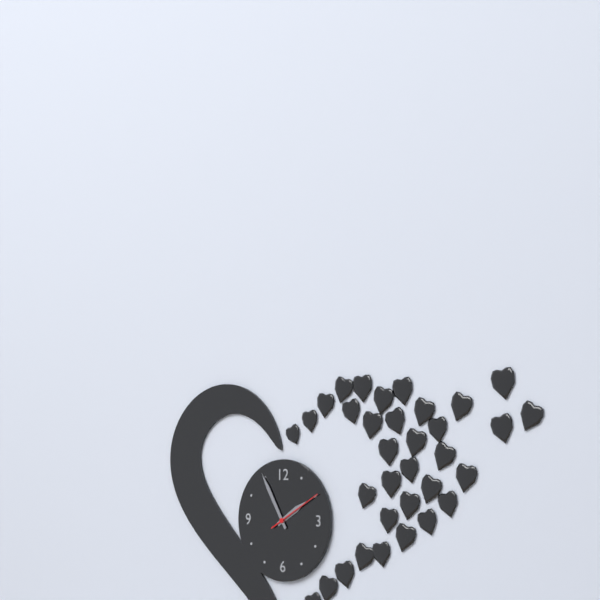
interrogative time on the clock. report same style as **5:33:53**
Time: **1:55:10**
